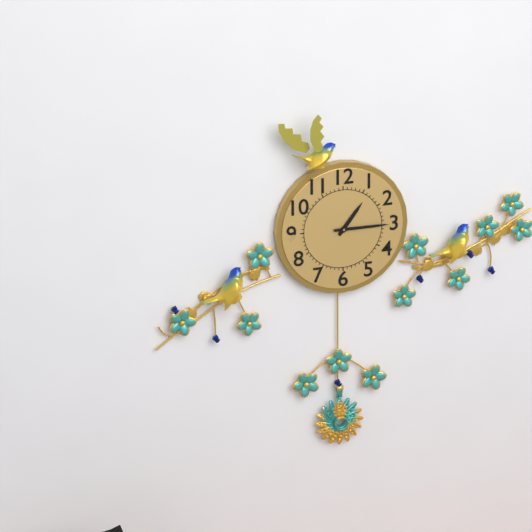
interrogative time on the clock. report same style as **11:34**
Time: **1:15**
